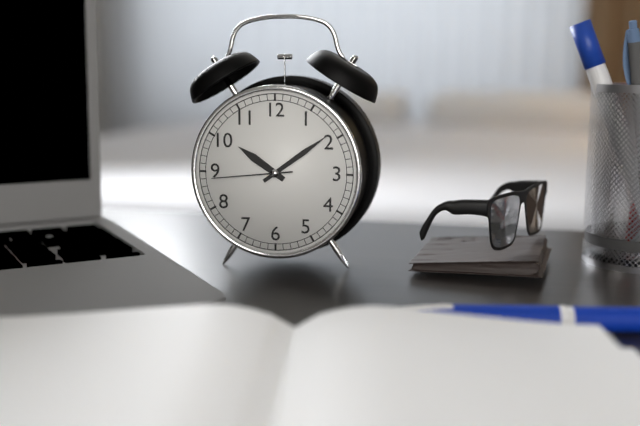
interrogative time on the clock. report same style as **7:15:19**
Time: **10:09:44**
